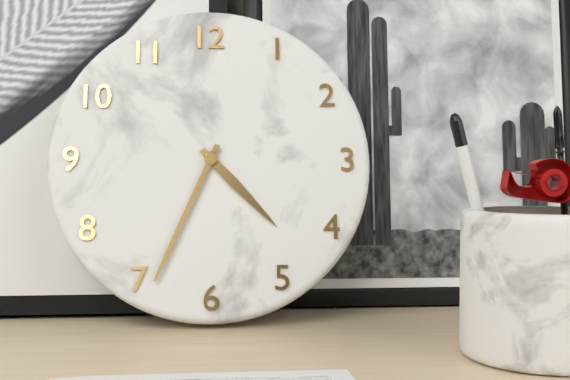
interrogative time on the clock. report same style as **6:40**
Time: **4:34**
